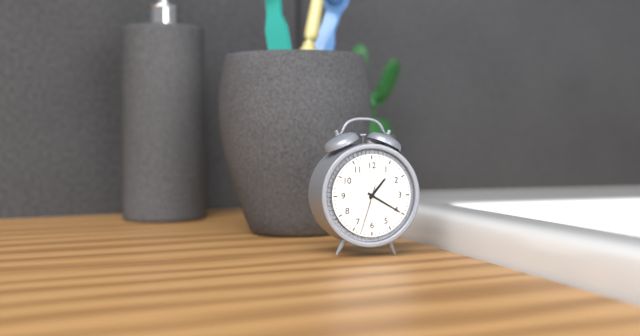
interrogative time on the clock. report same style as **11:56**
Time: **1:20**
